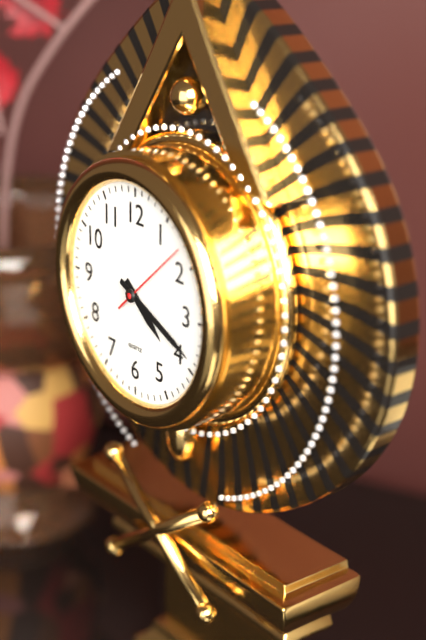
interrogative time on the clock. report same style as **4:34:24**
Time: **4:19:08**
